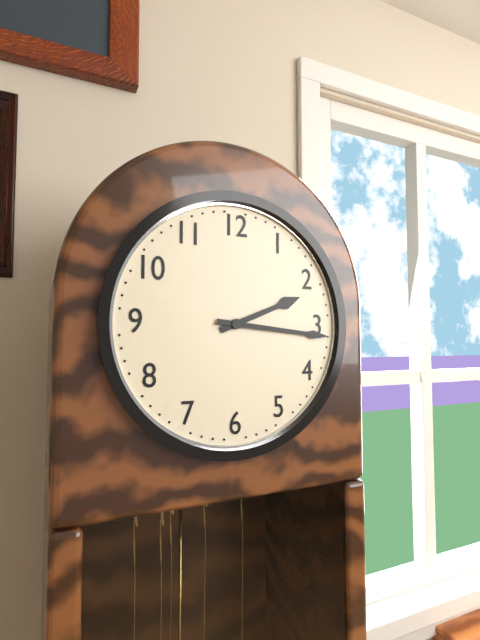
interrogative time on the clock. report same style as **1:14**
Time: **2:16**
